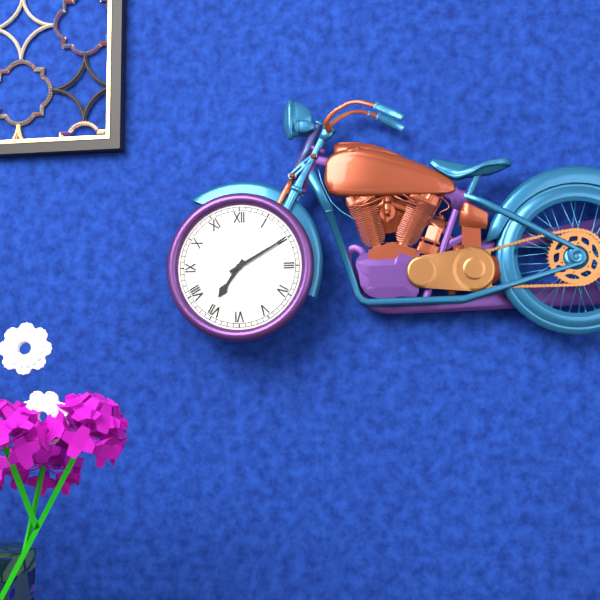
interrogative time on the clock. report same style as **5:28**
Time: **7:10**
